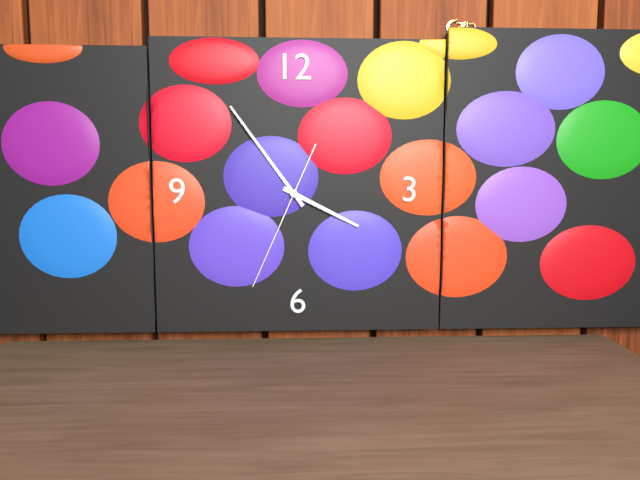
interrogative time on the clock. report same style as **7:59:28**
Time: **3:54:34**
